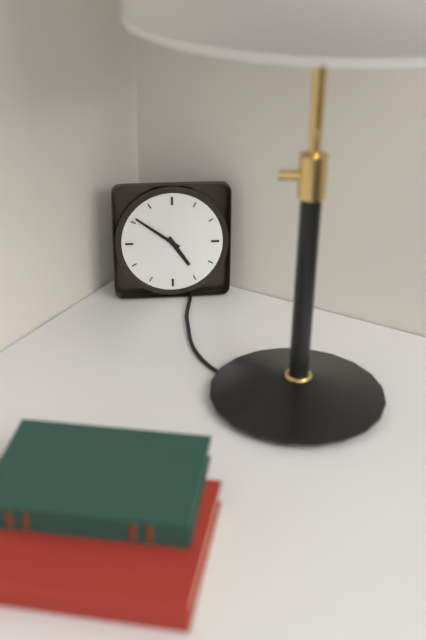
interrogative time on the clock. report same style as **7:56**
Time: **4:51**
